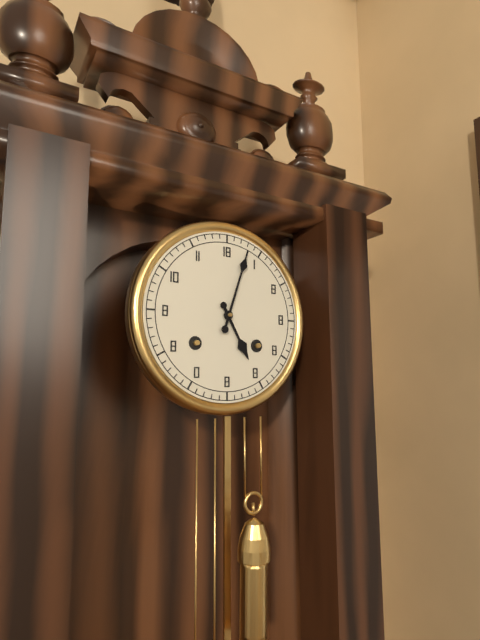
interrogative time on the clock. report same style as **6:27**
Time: **5:03**
